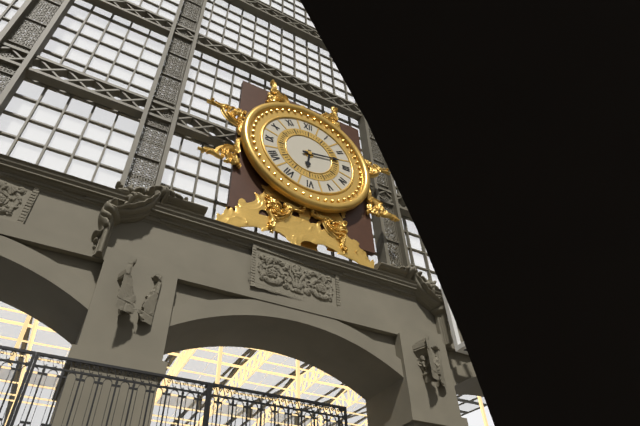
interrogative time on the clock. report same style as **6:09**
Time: **6:13**
